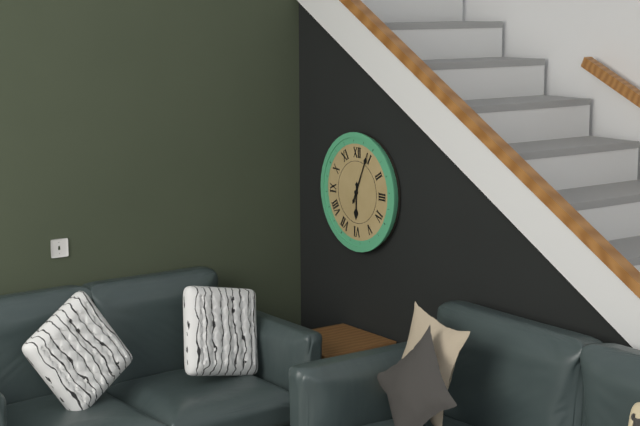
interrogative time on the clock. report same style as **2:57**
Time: **6:04**
